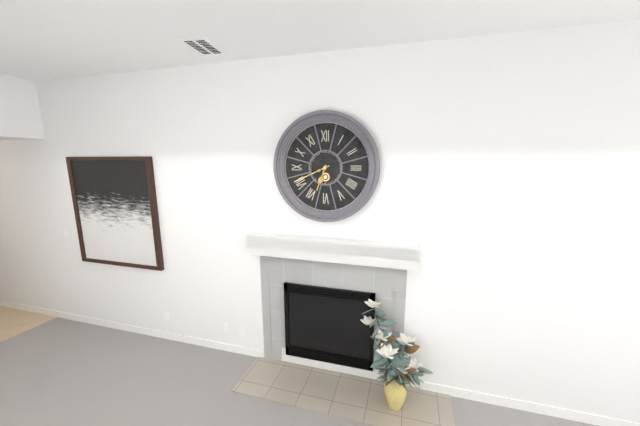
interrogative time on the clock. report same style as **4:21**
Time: **6:41**
